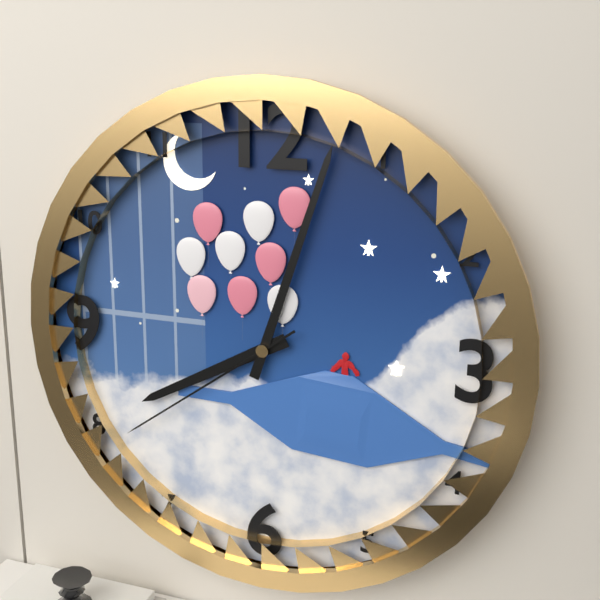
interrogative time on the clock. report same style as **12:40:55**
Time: **8:03:39**
